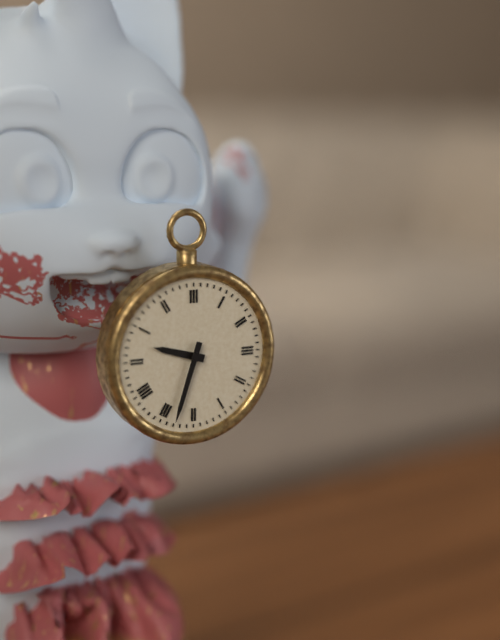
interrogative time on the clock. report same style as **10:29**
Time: **9:33**
